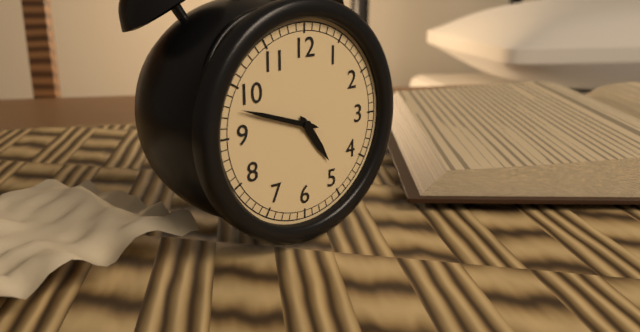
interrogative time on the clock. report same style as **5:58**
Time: **4:48**
